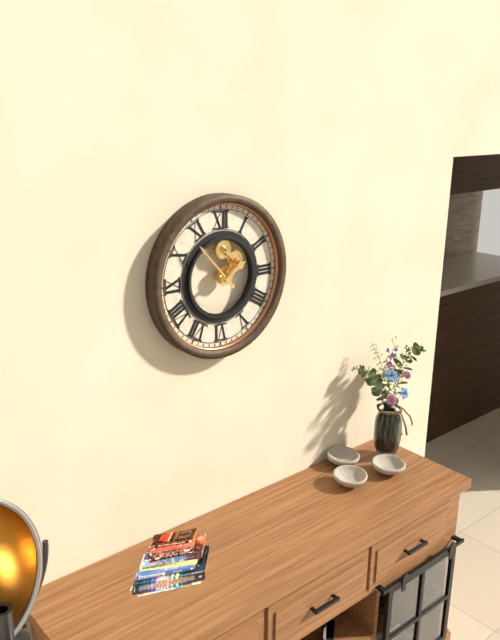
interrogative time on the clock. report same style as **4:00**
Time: **1:53**
